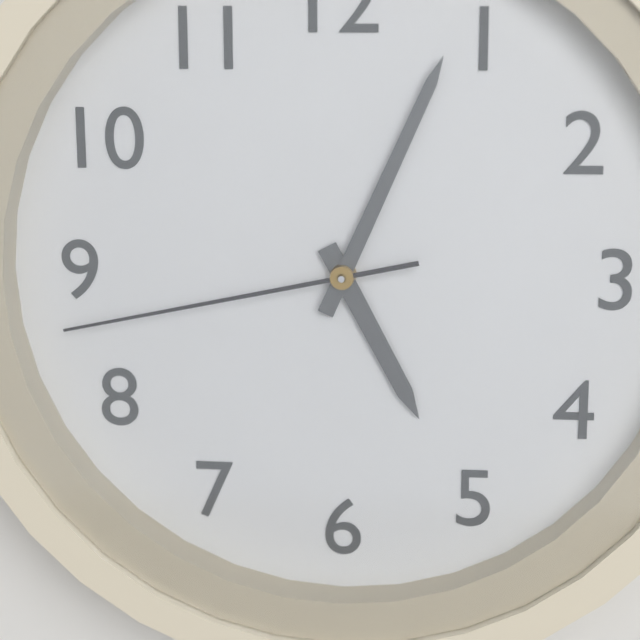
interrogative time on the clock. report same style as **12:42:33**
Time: **5:04:43**
